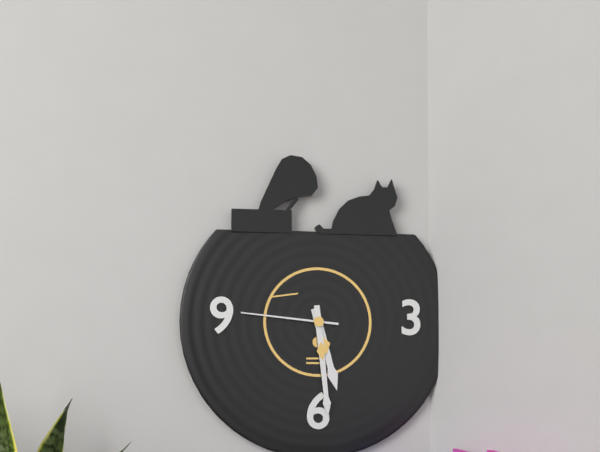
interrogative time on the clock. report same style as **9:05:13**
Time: **5:29:46**
